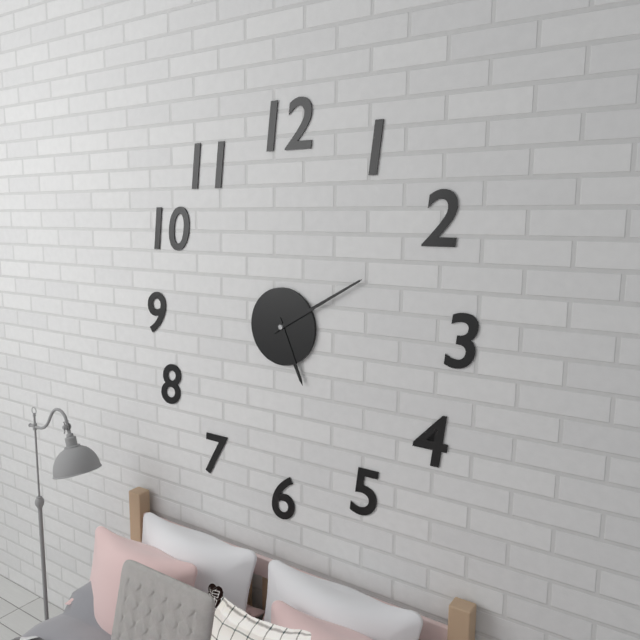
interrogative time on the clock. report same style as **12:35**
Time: **5:10**
